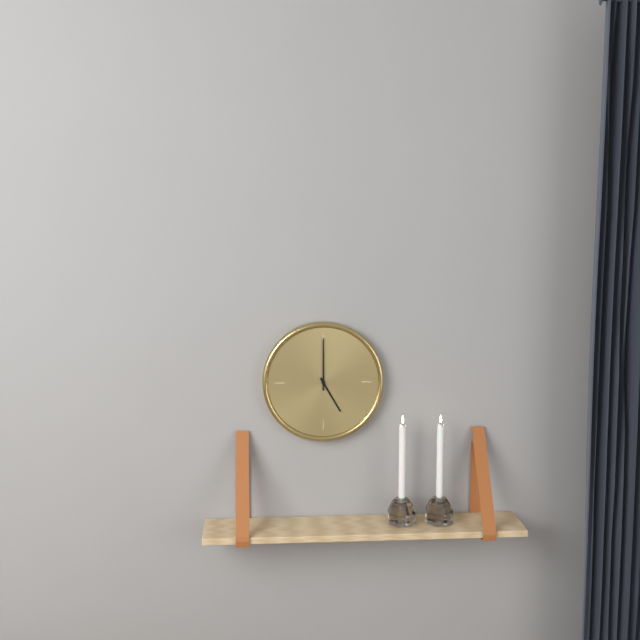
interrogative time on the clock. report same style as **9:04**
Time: **5:00**
